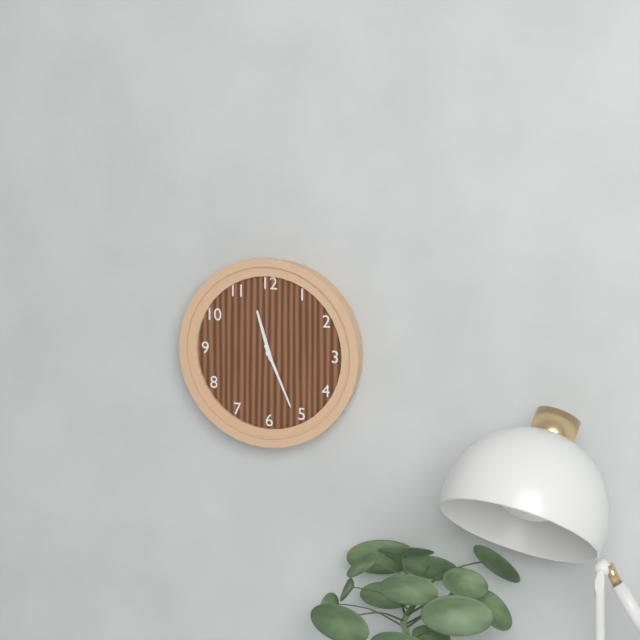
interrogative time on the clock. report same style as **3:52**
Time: **11:26**
